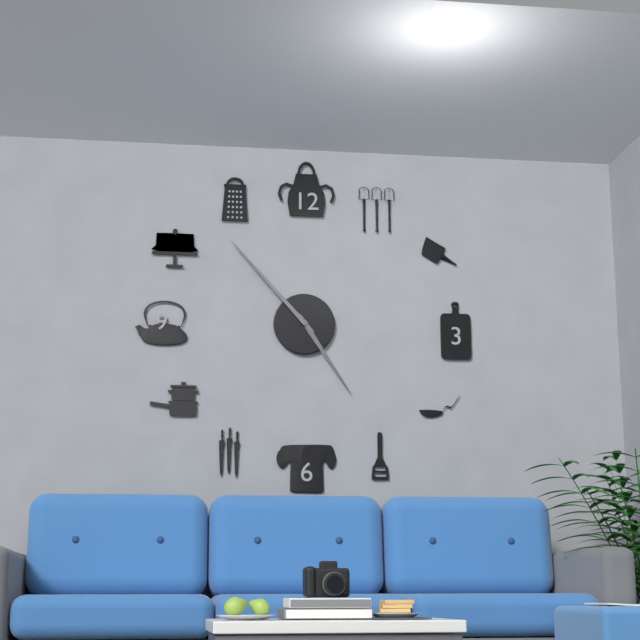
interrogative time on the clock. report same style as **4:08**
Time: **4:53**
